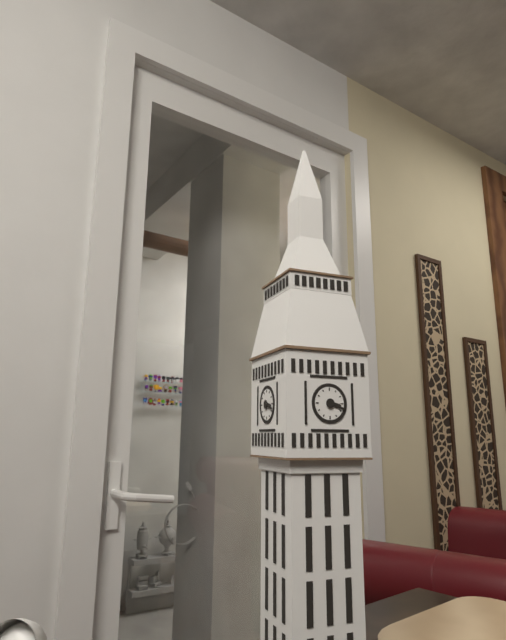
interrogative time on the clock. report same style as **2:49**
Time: **3:18**
